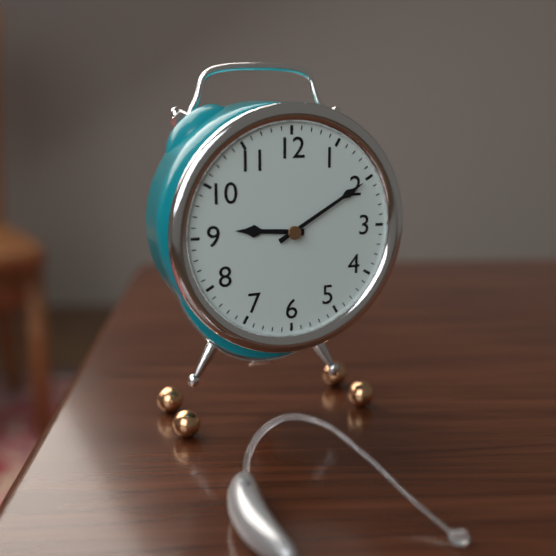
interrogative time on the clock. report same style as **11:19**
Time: **9:10**
